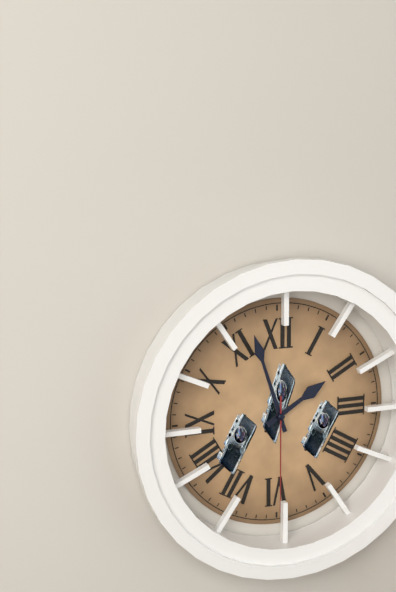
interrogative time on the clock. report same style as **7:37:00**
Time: **1:57:30**
